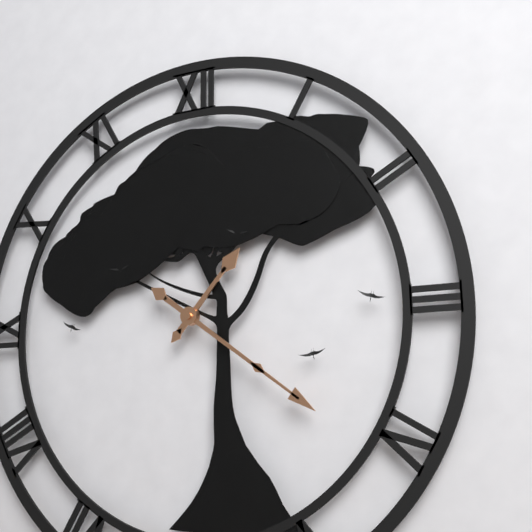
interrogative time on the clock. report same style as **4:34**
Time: **1:21**
